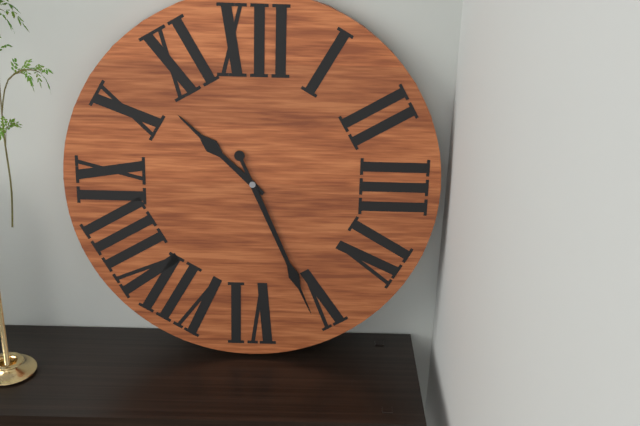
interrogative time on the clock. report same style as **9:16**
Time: **10:26**
